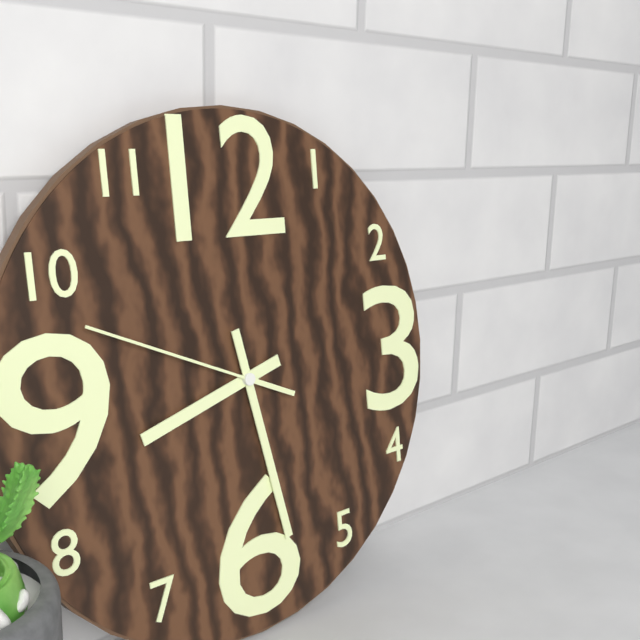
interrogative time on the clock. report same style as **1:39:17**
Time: **8:28:49**
